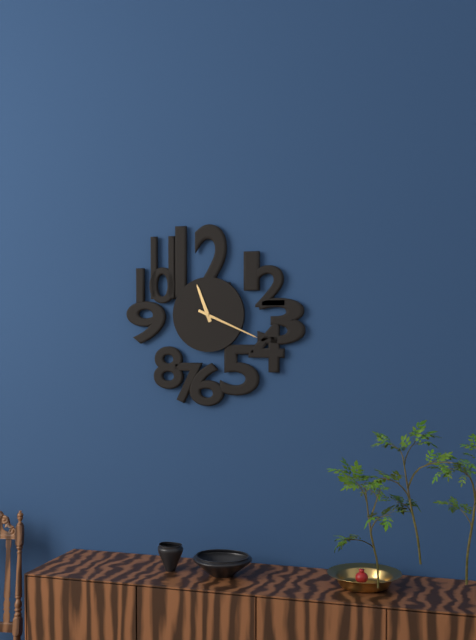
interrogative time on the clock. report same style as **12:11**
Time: **11:19**
